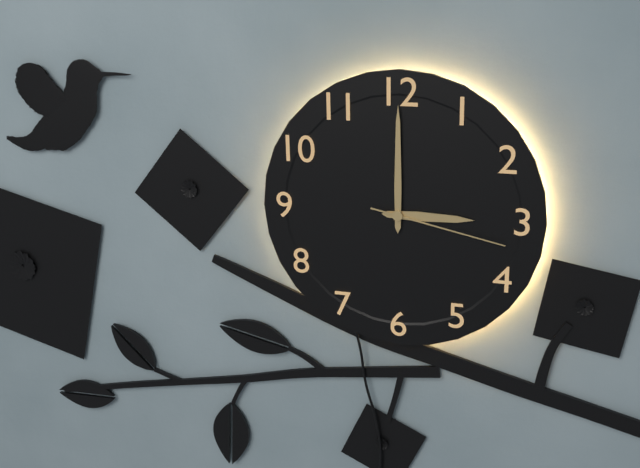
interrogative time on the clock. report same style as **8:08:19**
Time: **3:00:17**
